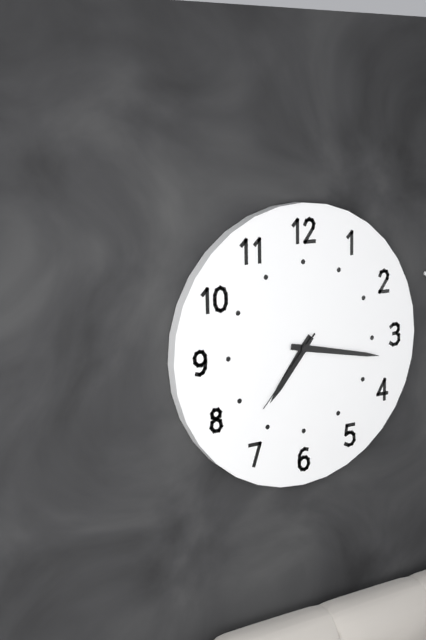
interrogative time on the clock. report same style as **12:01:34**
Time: **7:17:37**
